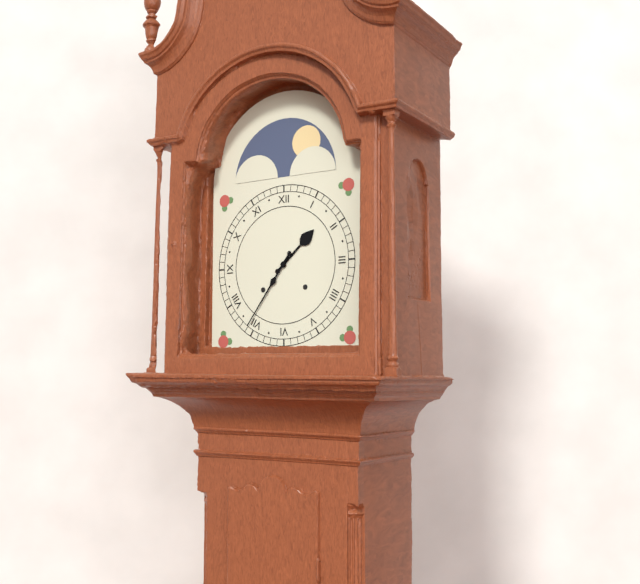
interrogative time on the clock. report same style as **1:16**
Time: **1:36**
